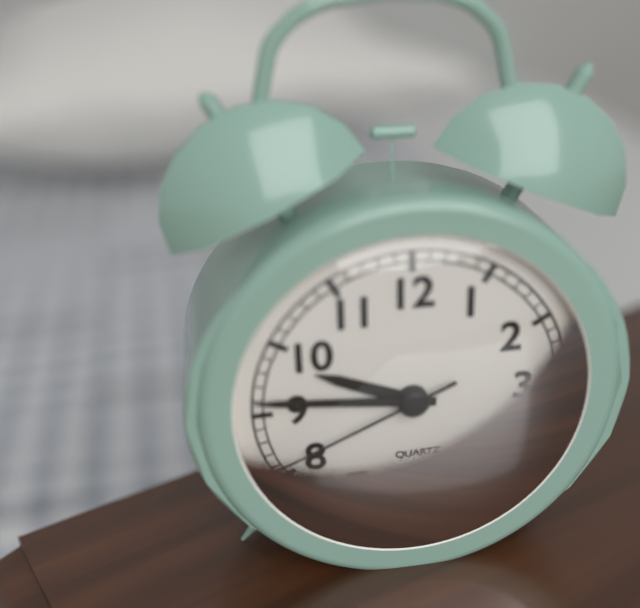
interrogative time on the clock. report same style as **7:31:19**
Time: **9:46:41**
